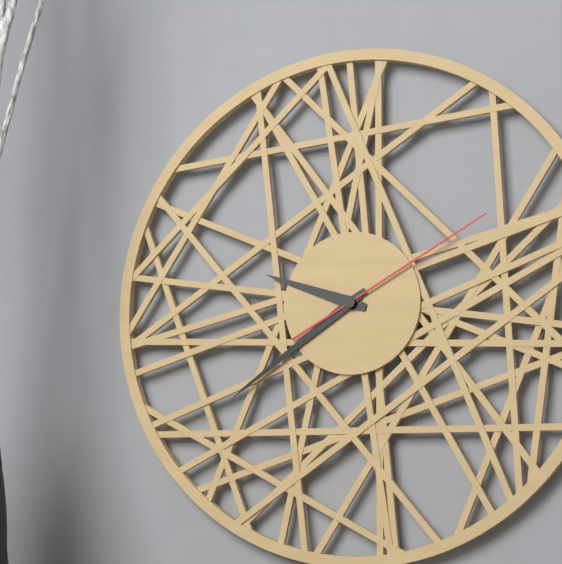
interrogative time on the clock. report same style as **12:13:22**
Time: **9:39:10**
